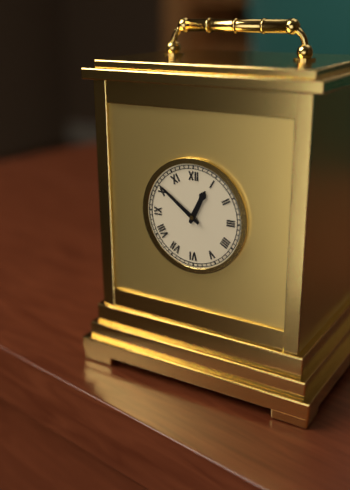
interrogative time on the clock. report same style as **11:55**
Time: **12:51**
